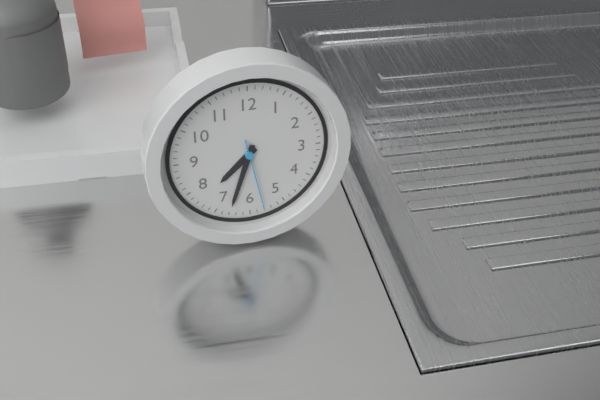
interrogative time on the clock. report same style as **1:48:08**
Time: **7:33:28**
